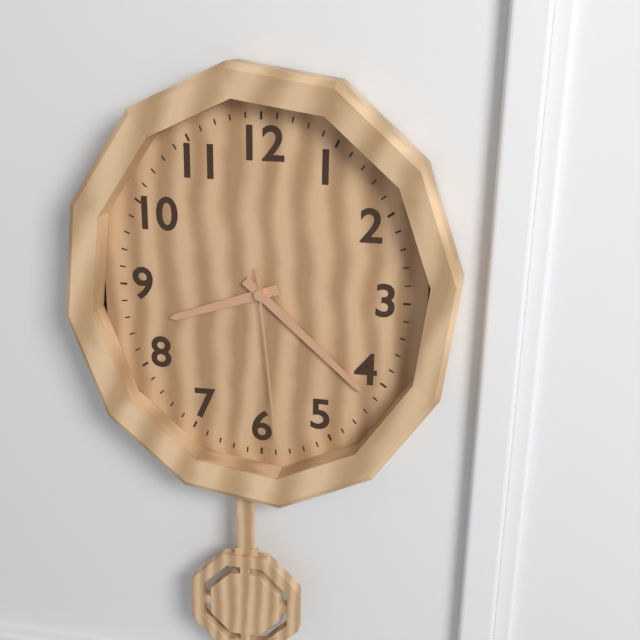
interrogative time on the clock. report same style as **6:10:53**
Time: **8:22:29**
